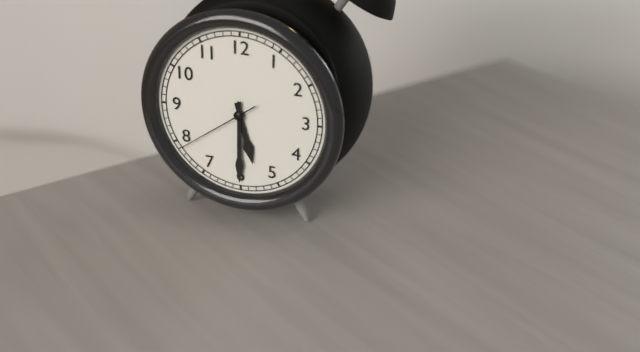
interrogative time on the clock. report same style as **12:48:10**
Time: **5:30:39**
